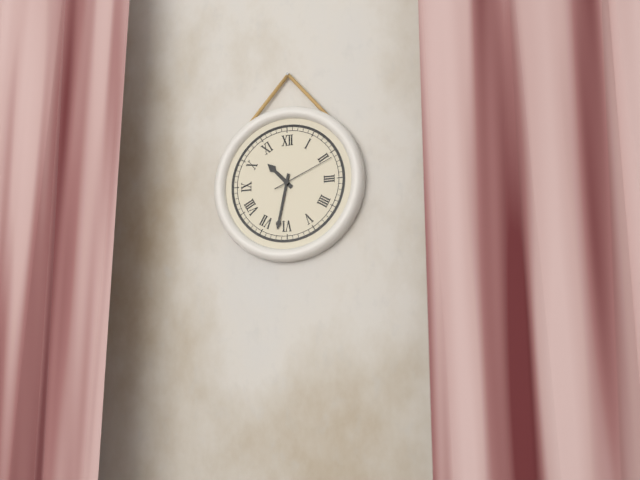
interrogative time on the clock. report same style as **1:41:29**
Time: **10:32:11**
